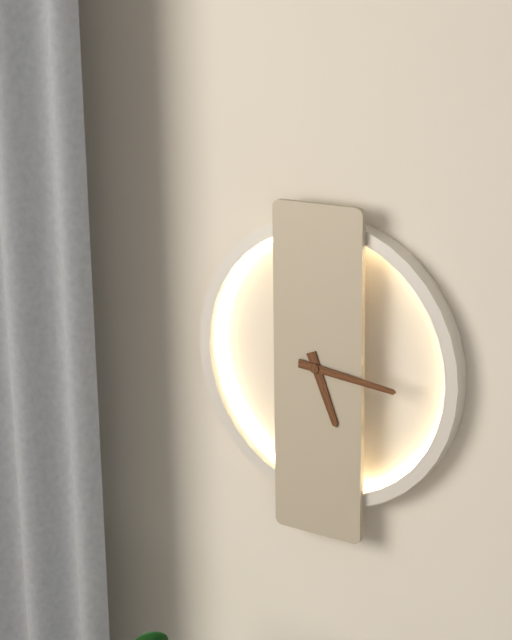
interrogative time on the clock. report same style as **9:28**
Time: **5:16**
